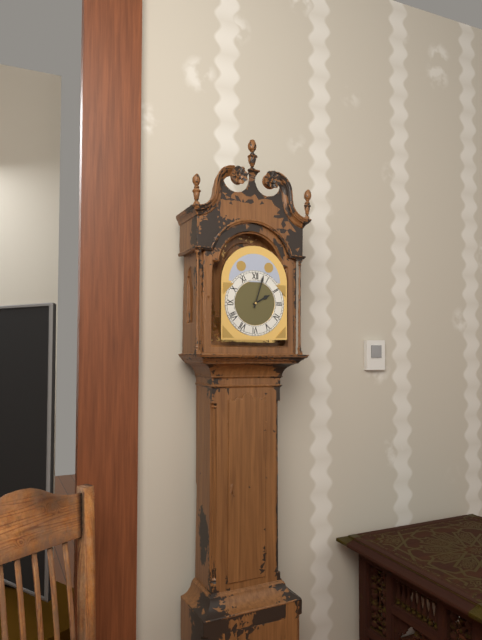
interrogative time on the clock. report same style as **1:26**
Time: **2:03**
